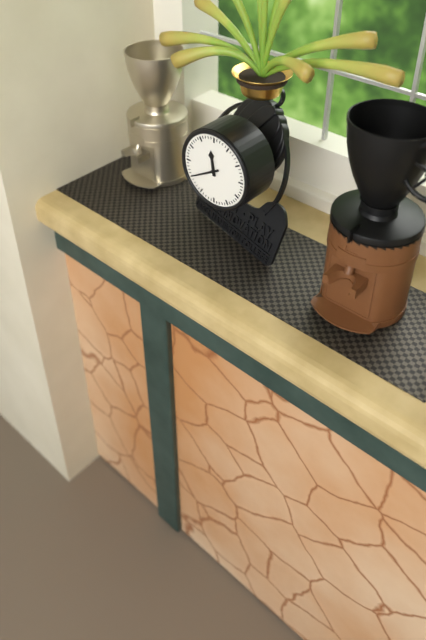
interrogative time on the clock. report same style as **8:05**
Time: **11:40**
